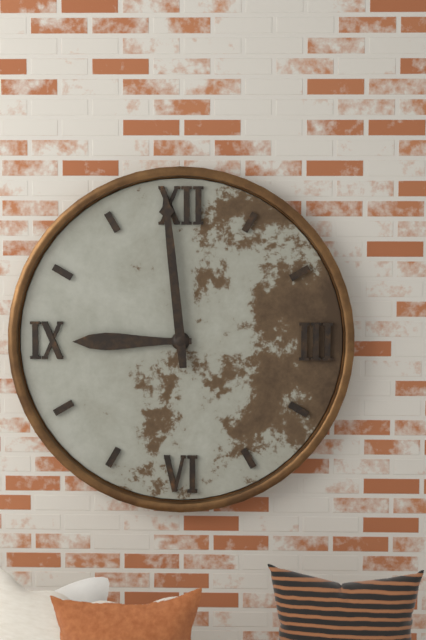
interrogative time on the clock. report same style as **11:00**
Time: **8:59**
